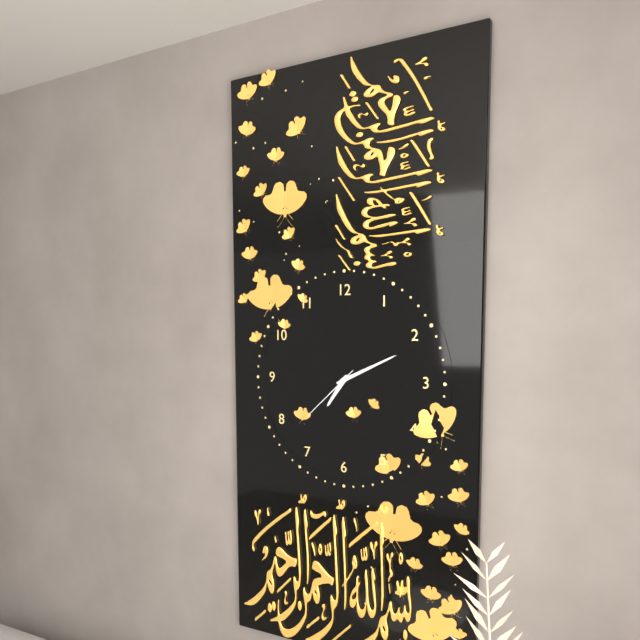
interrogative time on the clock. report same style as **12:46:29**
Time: **7:11:38**
